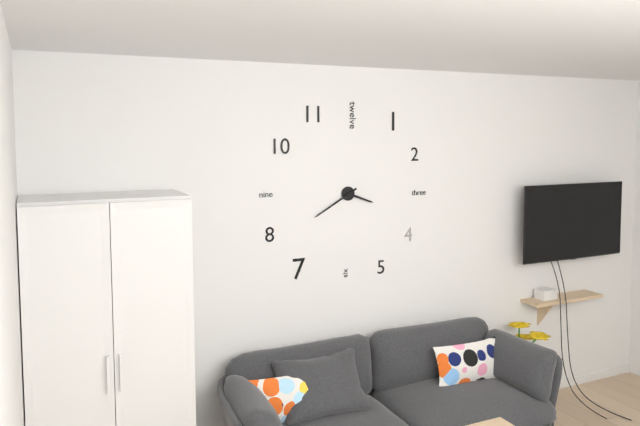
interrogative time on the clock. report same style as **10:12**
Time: **3:40**
